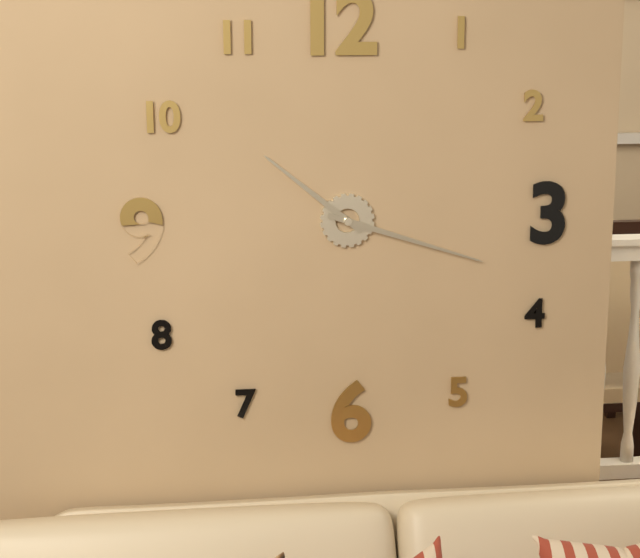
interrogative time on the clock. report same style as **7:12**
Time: **10:18**
